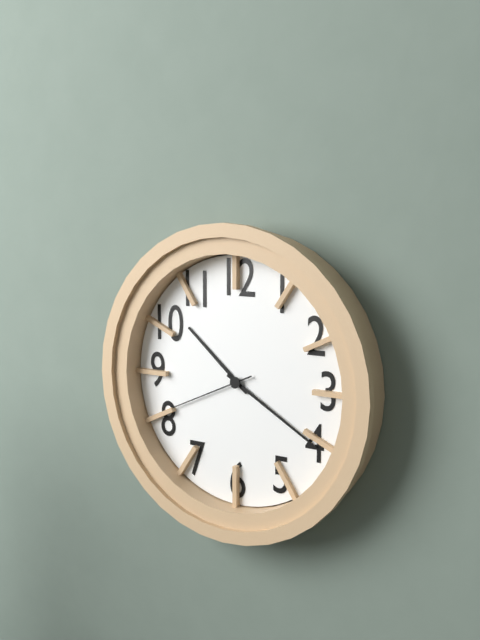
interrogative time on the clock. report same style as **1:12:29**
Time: **10:20:41**
